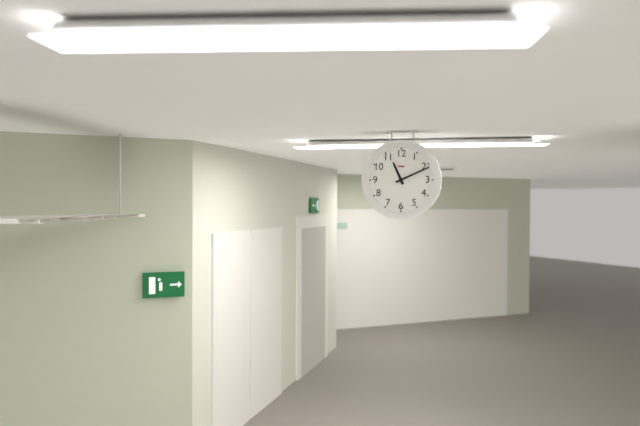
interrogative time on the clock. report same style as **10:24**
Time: **11:11**
